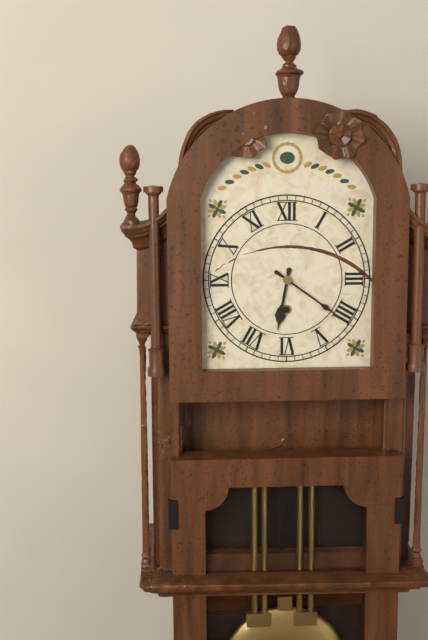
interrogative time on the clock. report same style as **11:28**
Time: **6:21**
